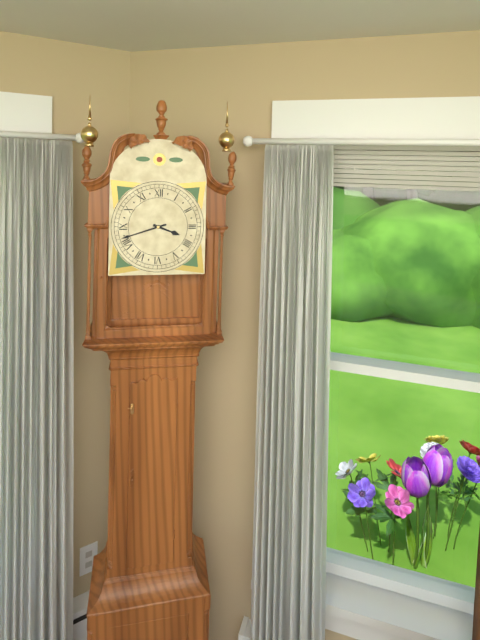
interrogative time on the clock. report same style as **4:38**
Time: **3:42**
